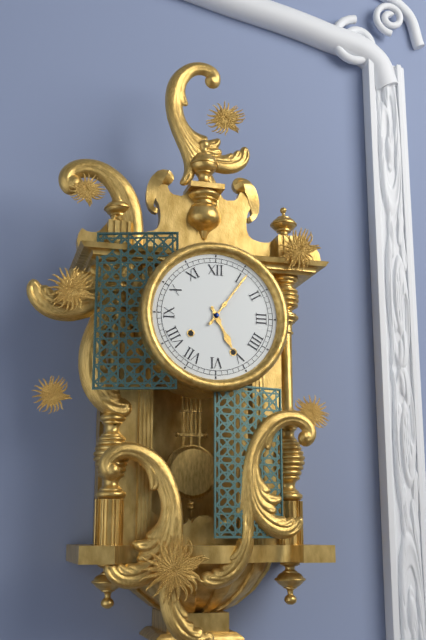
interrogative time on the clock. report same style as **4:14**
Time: **5:06**
